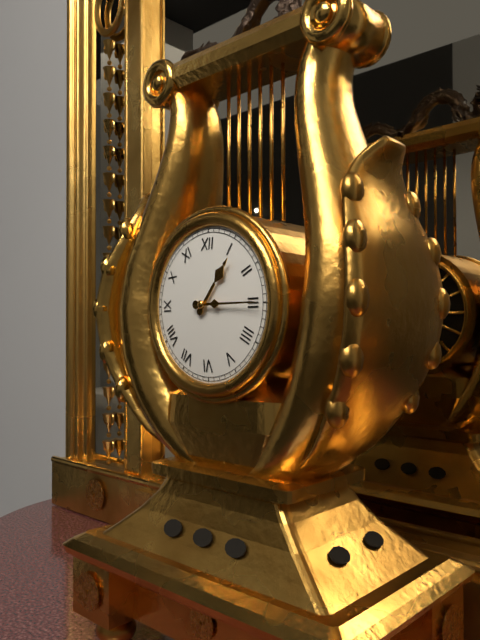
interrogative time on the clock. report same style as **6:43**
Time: **1:15**
